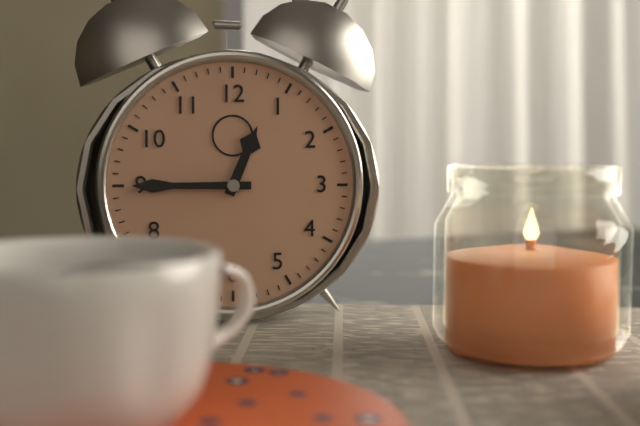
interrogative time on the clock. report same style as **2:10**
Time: **12:45**
